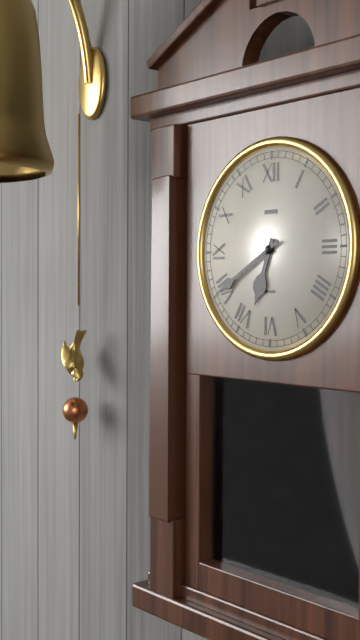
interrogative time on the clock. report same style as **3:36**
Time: **6:40**
